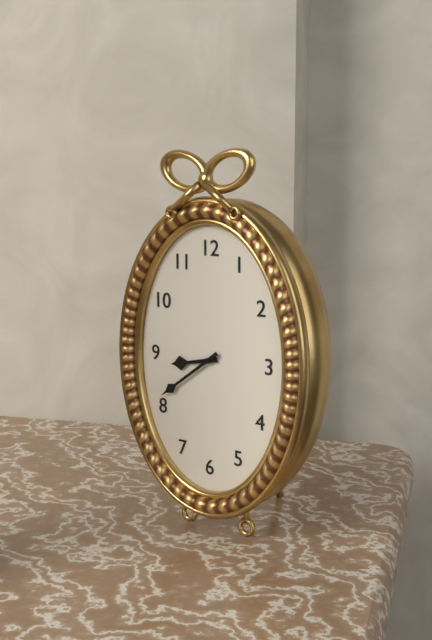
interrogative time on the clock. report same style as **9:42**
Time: **8:39**
